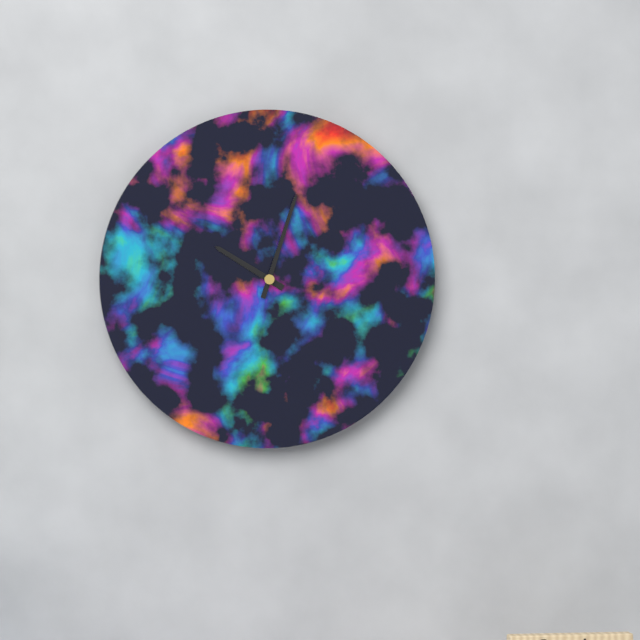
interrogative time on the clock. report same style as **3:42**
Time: **10:03**
